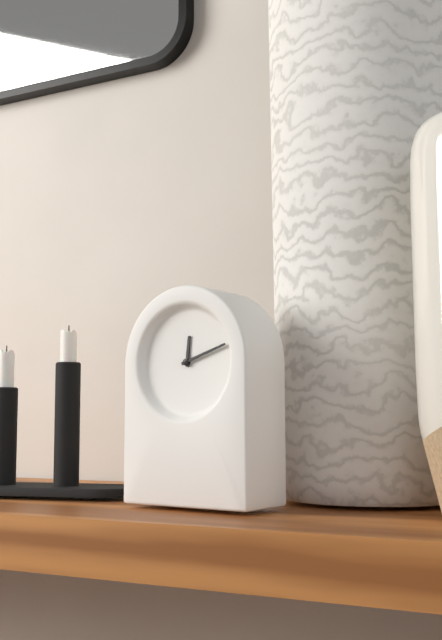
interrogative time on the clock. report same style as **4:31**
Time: **12:12**
